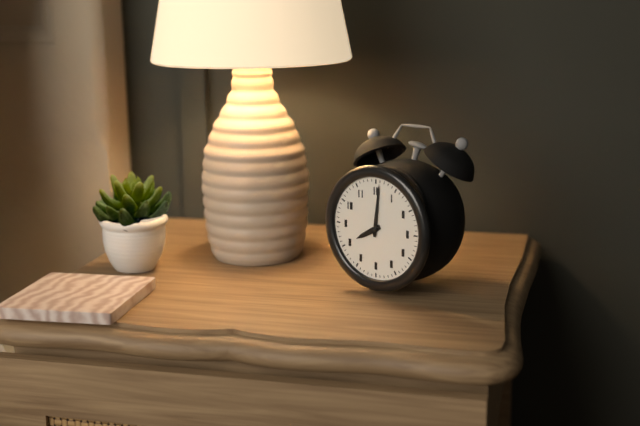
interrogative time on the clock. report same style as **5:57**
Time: **8:01**
